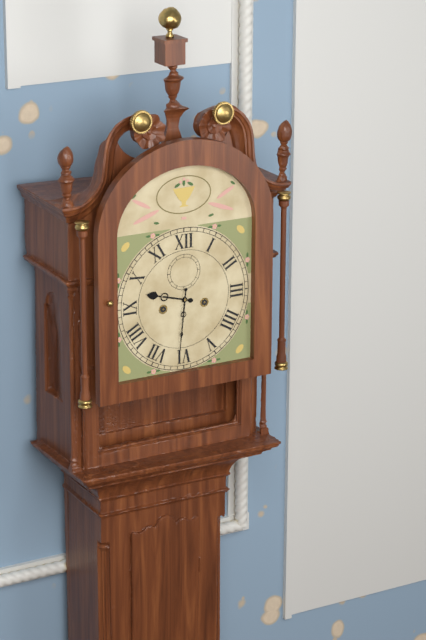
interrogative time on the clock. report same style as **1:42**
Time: **9:31**
